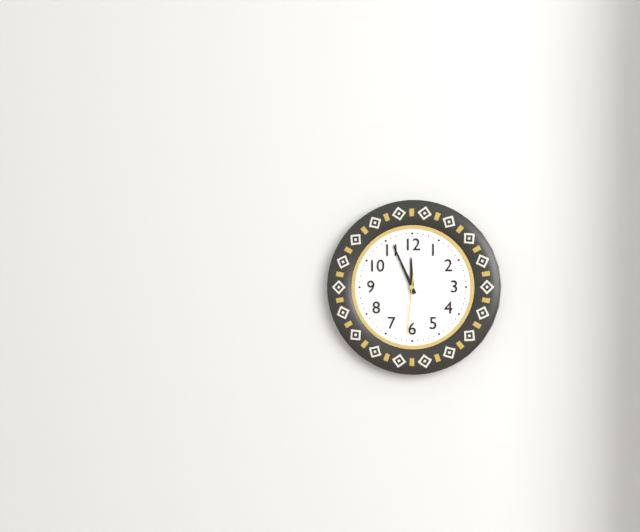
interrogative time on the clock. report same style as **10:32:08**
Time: **11:56:31**
